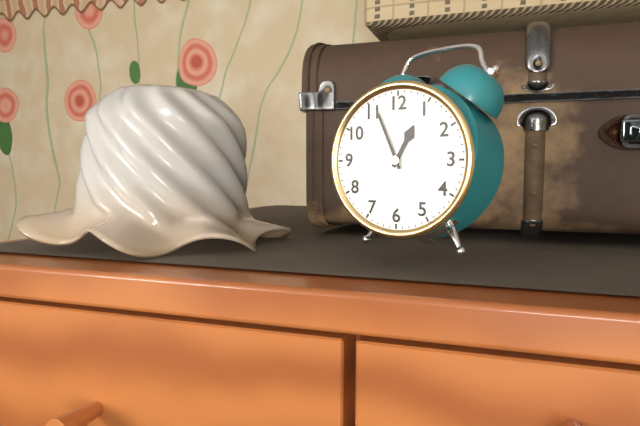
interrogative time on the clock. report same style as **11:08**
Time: **12:56**
